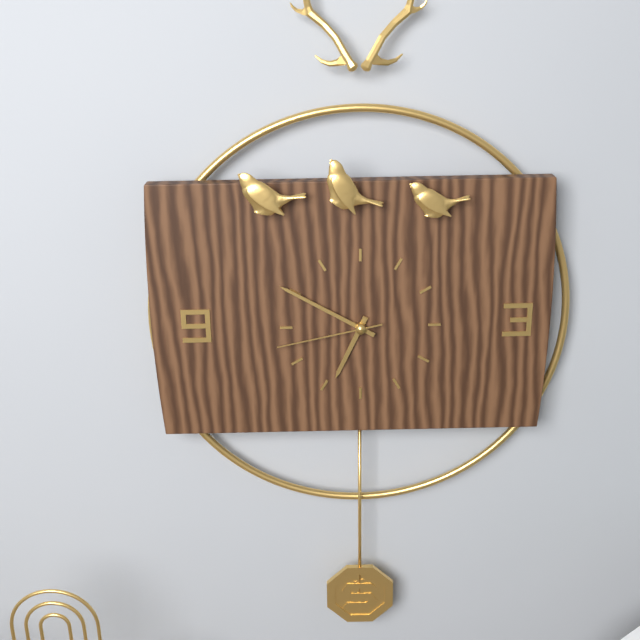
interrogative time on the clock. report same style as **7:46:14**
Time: **6:50:43**
